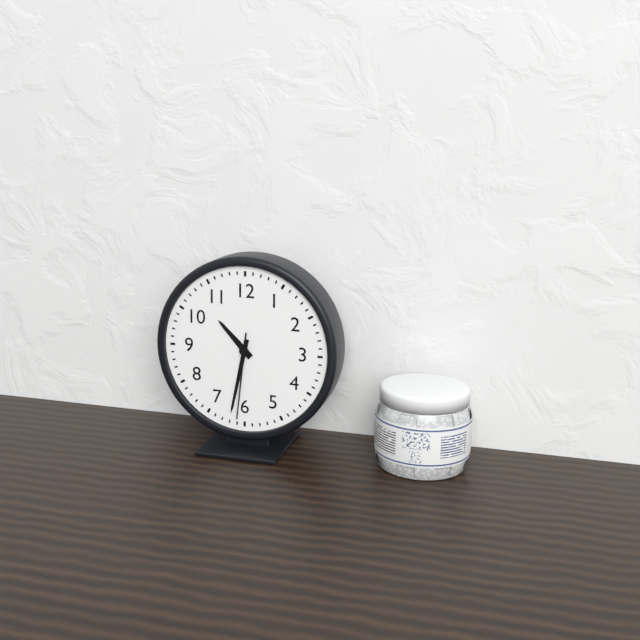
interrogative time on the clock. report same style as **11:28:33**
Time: **10:32:31**
